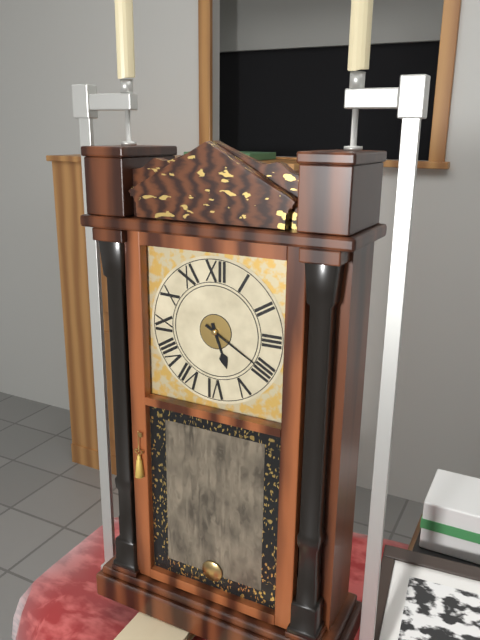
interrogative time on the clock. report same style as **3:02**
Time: **5:20**
